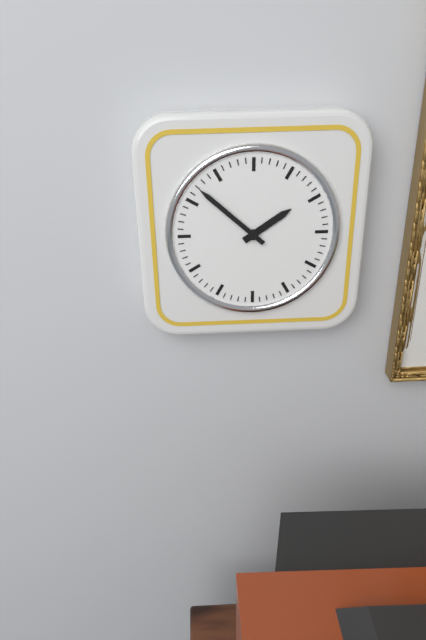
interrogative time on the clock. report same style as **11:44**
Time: **1:52**
